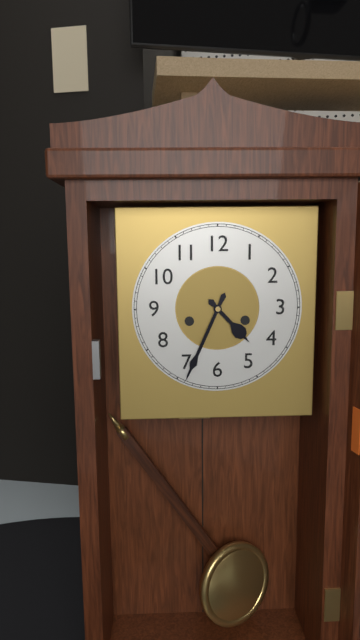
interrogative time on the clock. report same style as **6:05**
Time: **4:34**
